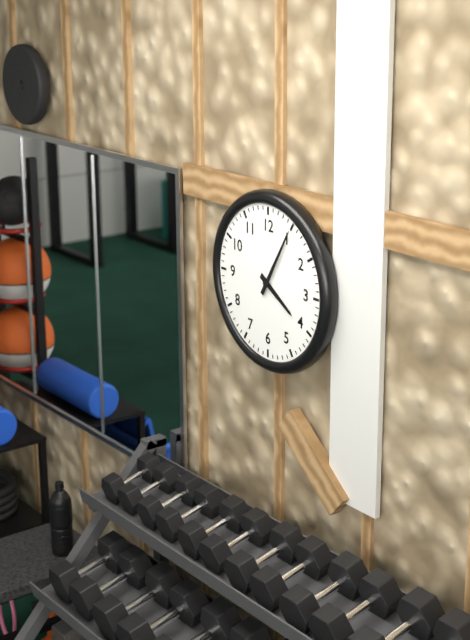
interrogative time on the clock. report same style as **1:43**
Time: **4:05**
